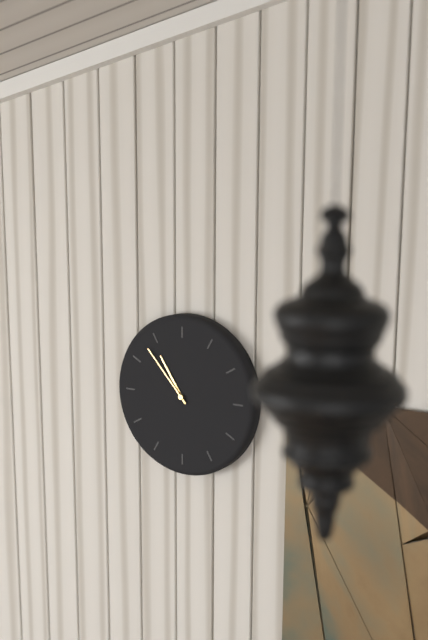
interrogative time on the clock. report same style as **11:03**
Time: **10:53**
